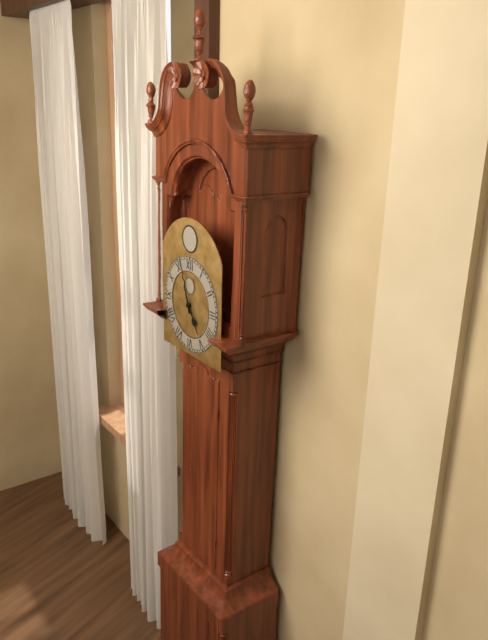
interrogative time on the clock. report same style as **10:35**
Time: **4:57**
